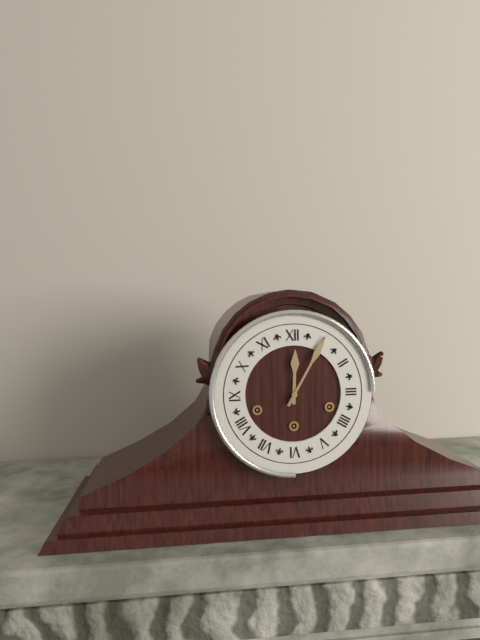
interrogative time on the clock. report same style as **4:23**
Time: **12:05**
